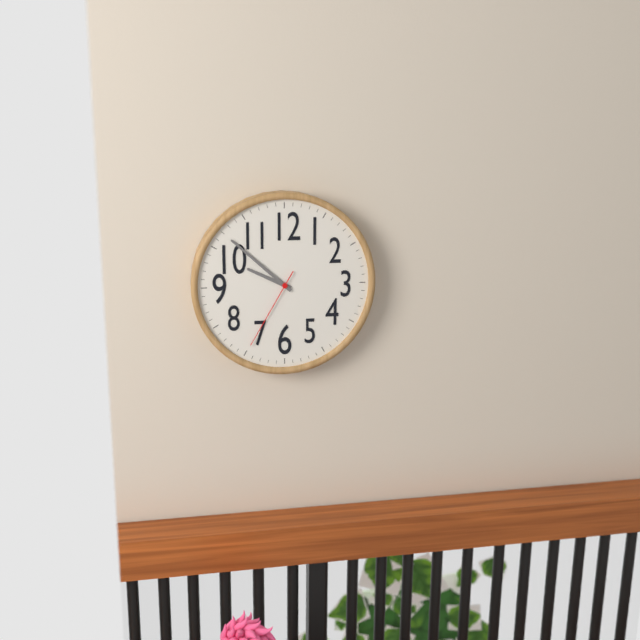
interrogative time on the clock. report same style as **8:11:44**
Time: **9:52:35**
